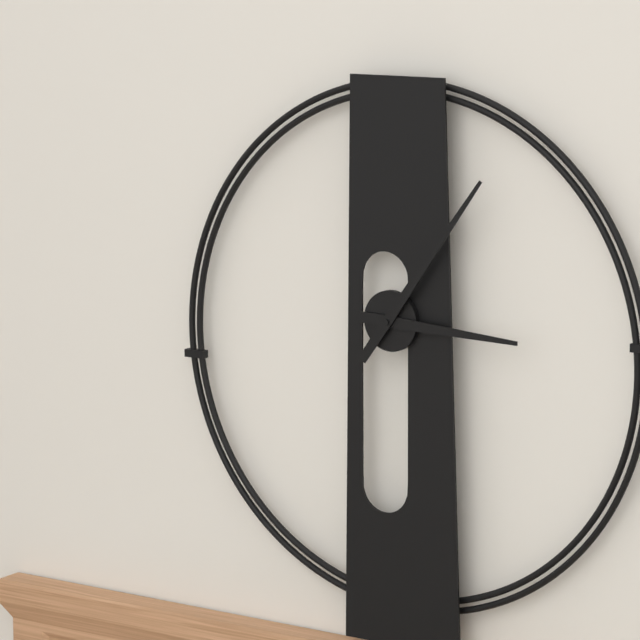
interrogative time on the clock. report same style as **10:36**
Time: **3:06**
